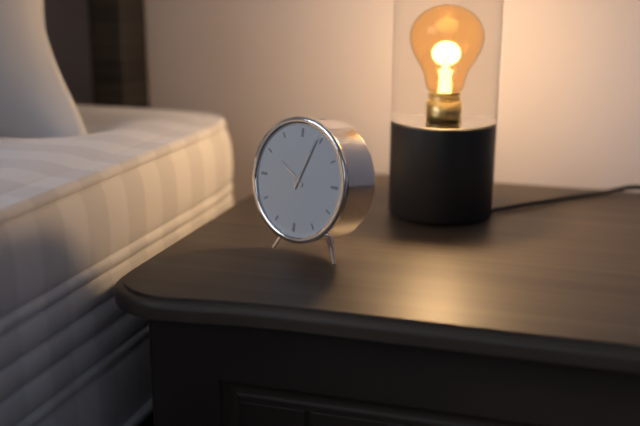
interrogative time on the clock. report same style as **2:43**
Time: **10:04**
